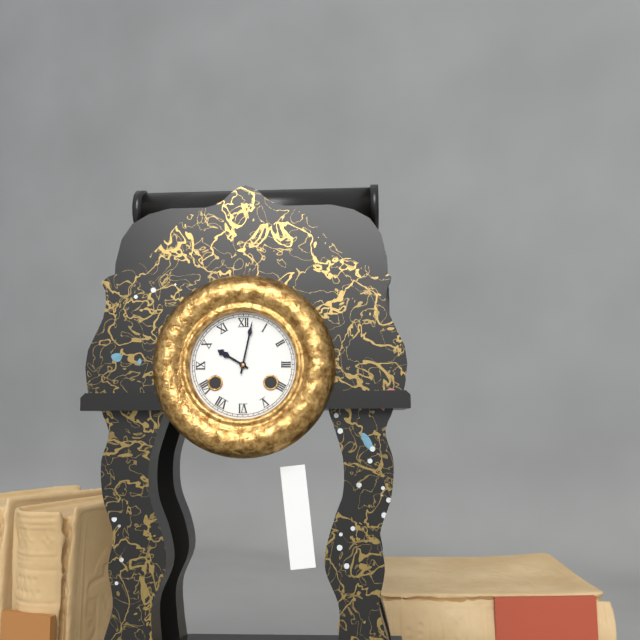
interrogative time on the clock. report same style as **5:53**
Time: **10:02**
